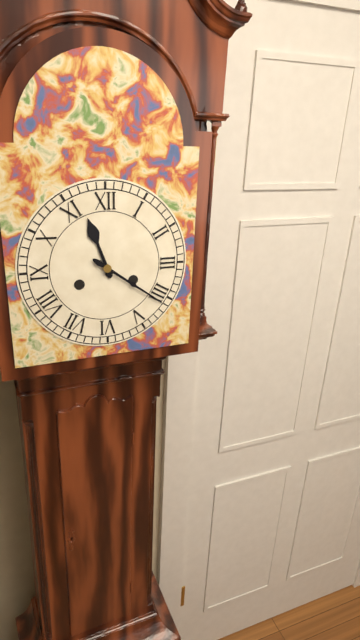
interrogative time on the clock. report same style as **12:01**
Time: **11:21**
